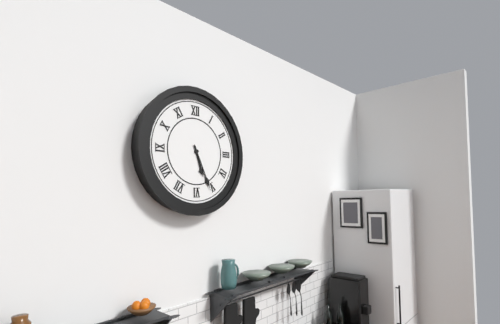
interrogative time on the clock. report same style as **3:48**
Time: **5:26**
